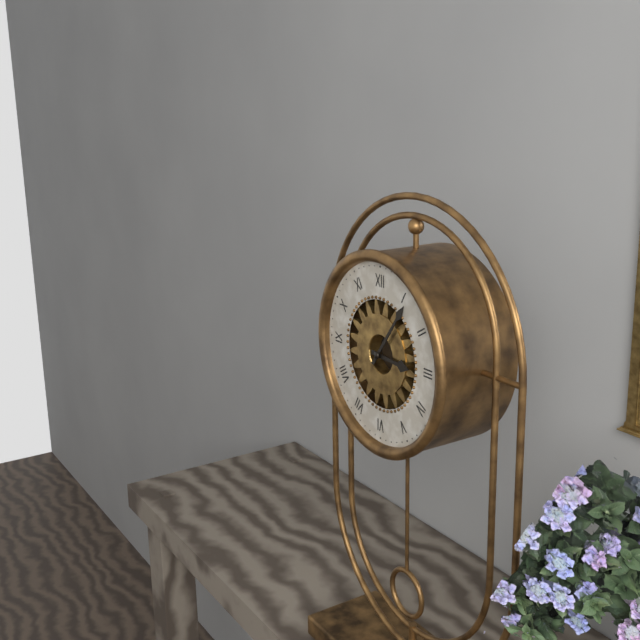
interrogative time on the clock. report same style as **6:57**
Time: **3:06**
